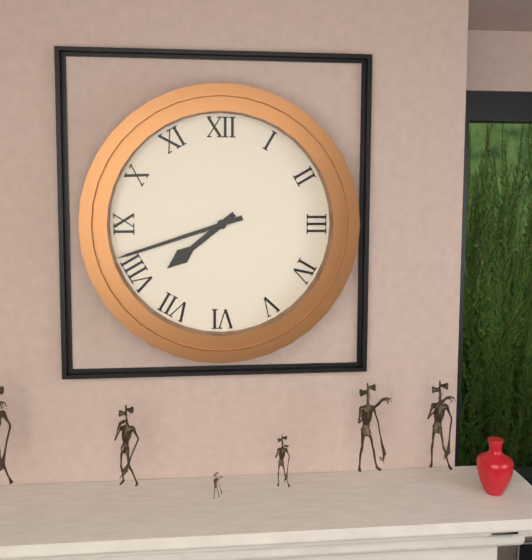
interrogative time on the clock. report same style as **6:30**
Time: **7:42**
